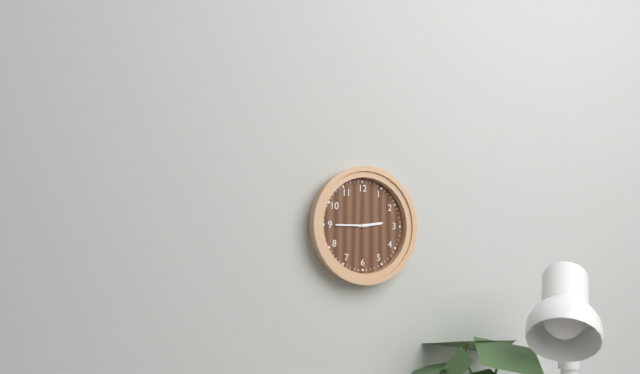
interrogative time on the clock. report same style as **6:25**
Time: **2:45**
